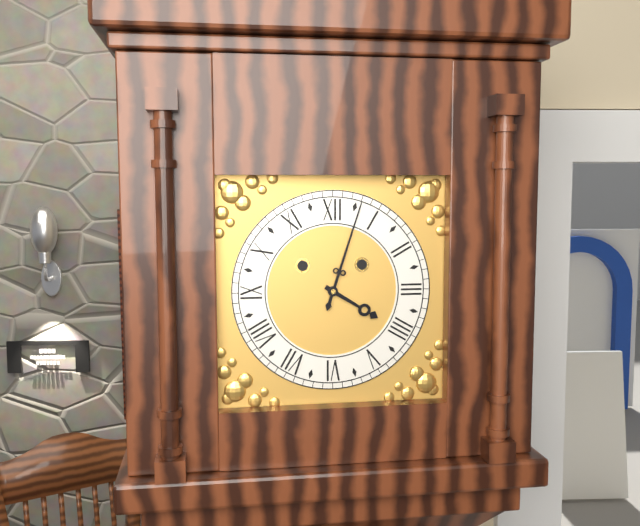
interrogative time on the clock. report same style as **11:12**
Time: **4:03**
